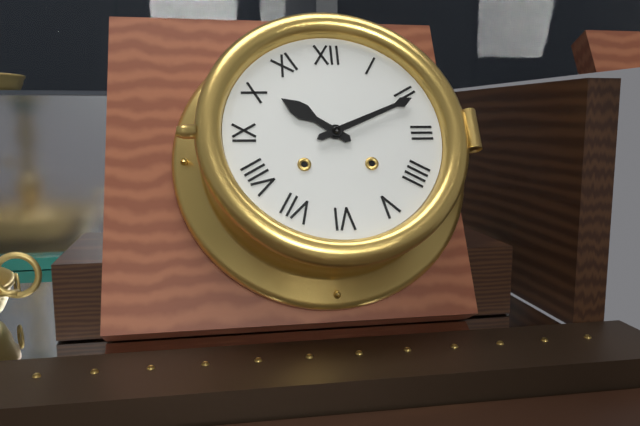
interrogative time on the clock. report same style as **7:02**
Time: **10:11**
